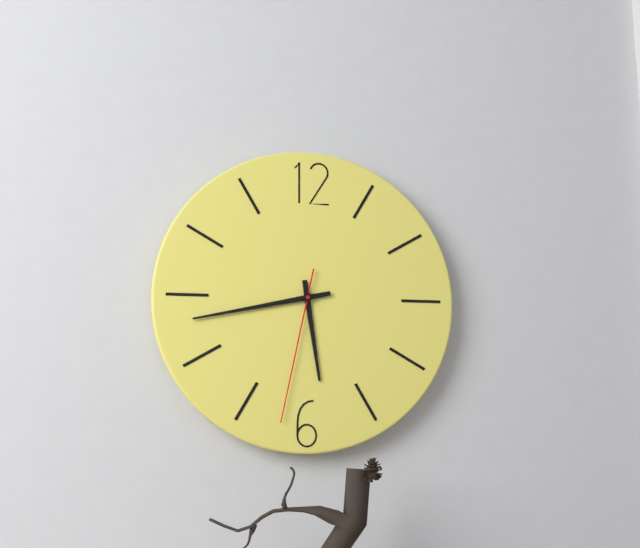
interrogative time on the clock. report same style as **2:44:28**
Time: **5:43:32**
